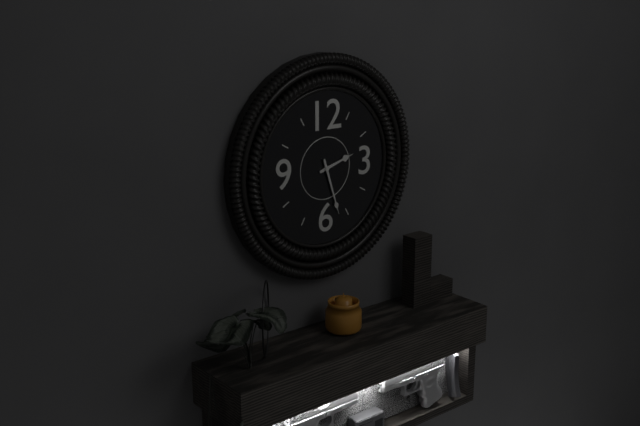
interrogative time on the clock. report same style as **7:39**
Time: **2:27**
